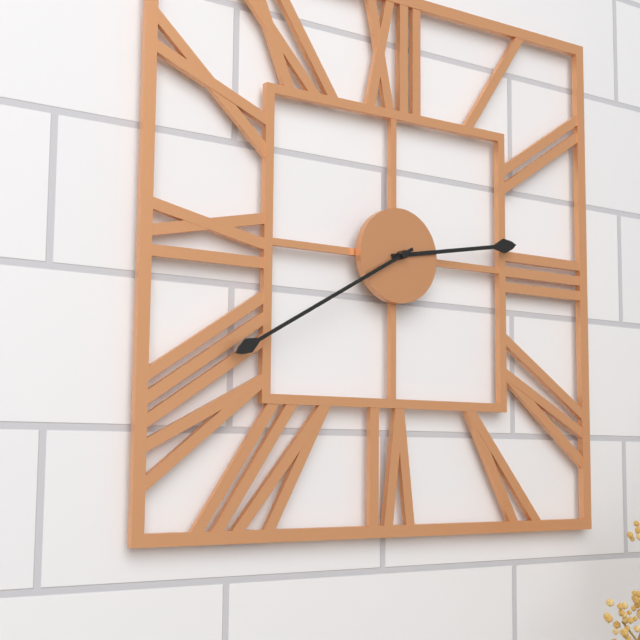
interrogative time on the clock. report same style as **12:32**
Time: **2:40**
